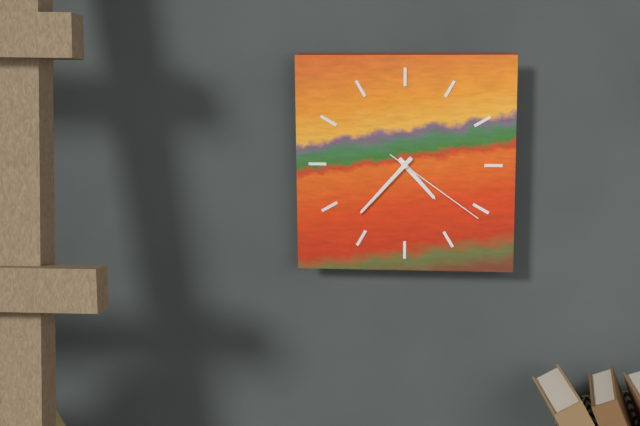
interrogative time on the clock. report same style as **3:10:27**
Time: **4:37:21**
